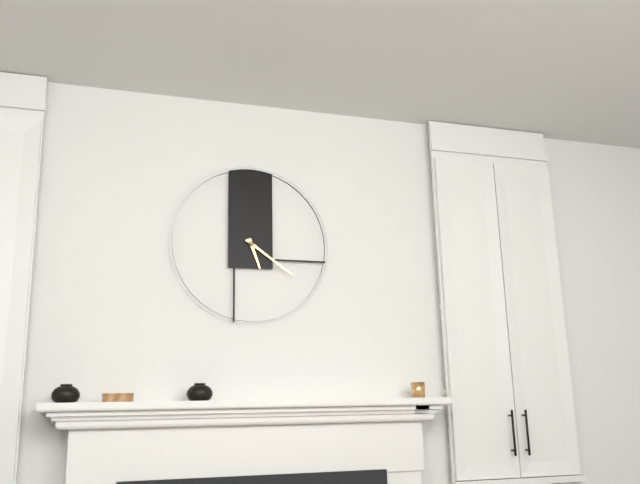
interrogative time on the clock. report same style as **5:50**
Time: **5:21**
